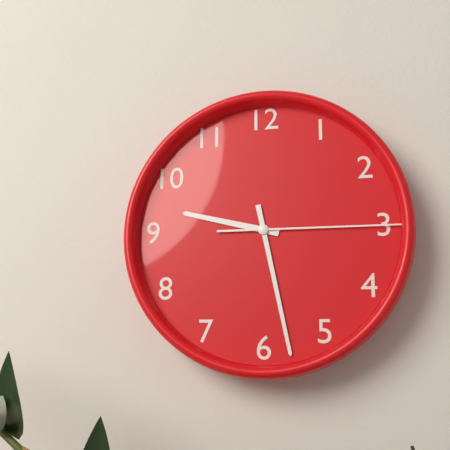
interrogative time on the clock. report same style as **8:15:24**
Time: **9:28:15**
